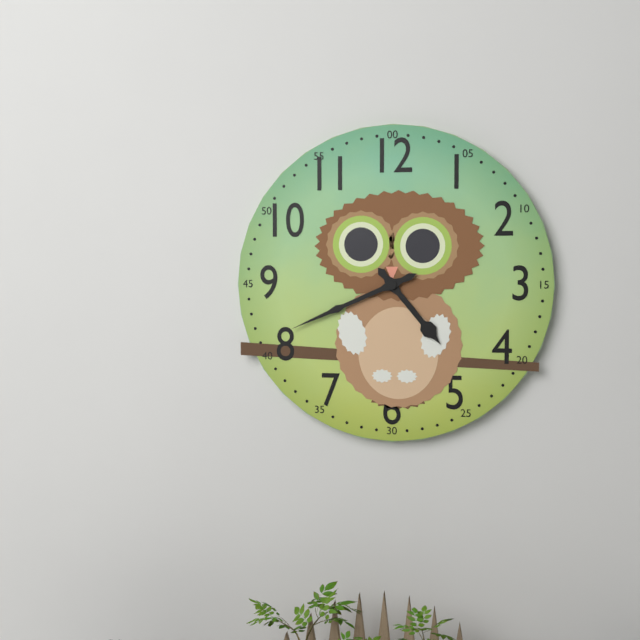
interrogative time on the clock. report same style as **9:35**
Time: **4:41**
